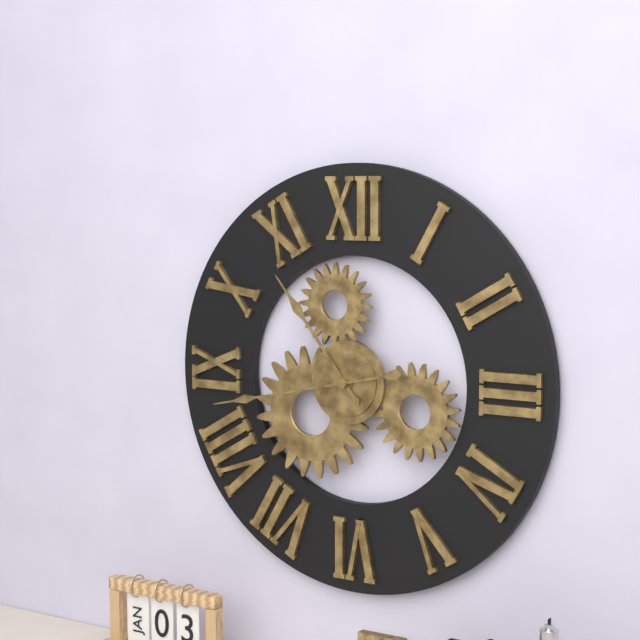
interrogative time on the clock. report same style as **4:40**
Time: **10:43**
